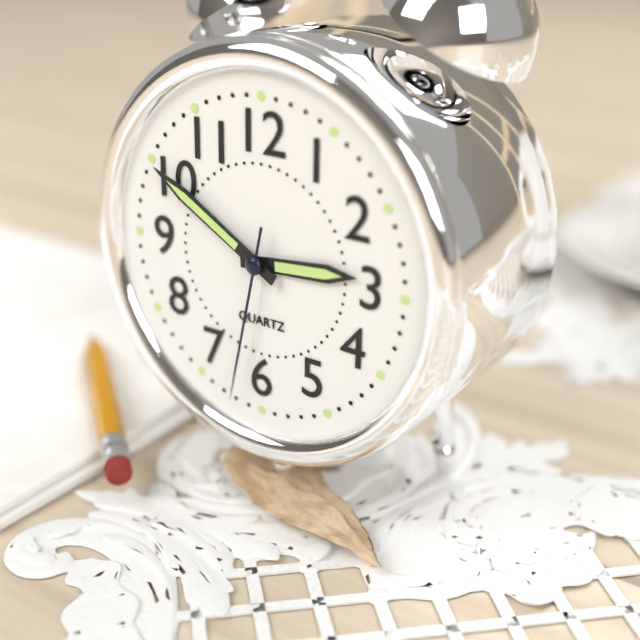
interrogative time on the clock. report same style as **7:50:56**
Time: **2:50:32**
